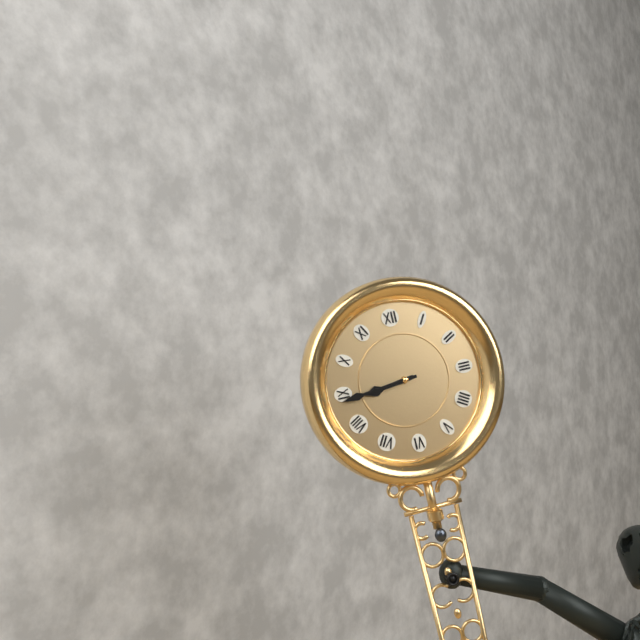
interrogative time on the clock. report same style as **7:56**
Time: **8:44**
